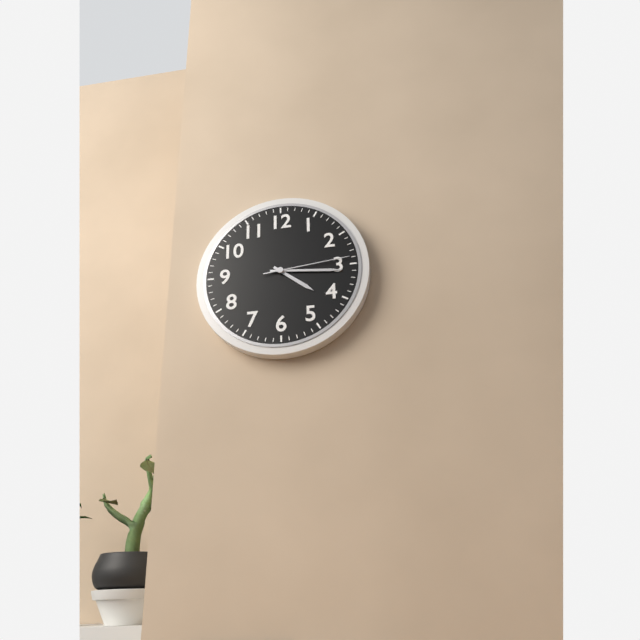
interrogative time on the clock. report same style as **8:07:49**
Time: **4:16:14**
